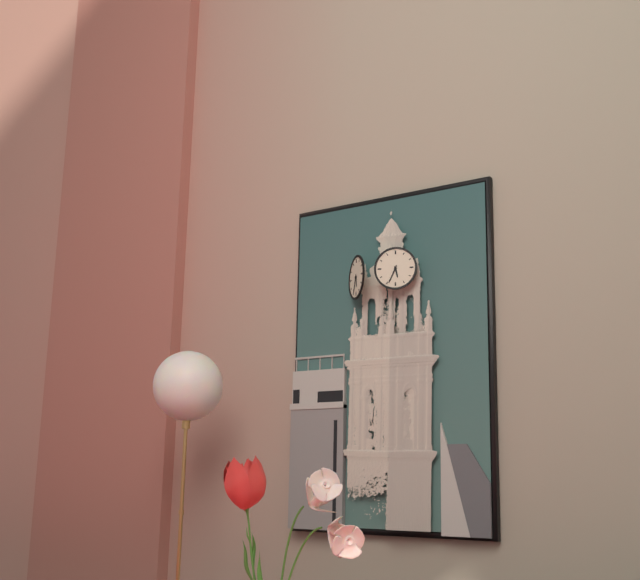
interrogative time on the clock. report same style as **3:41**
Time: **5:34**
